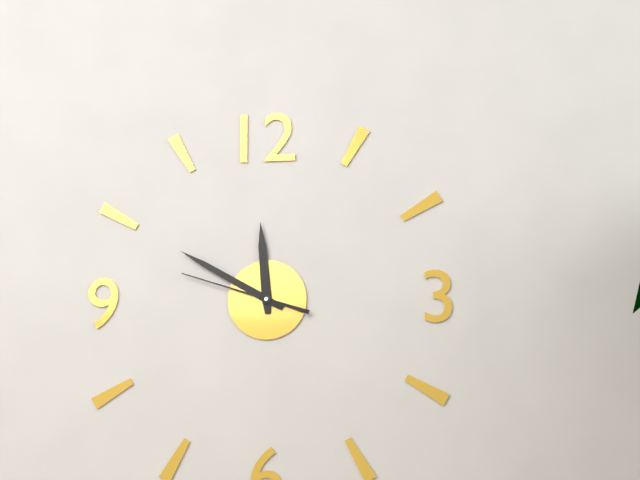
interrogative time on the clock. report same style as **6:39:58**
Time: **11:50:48**
